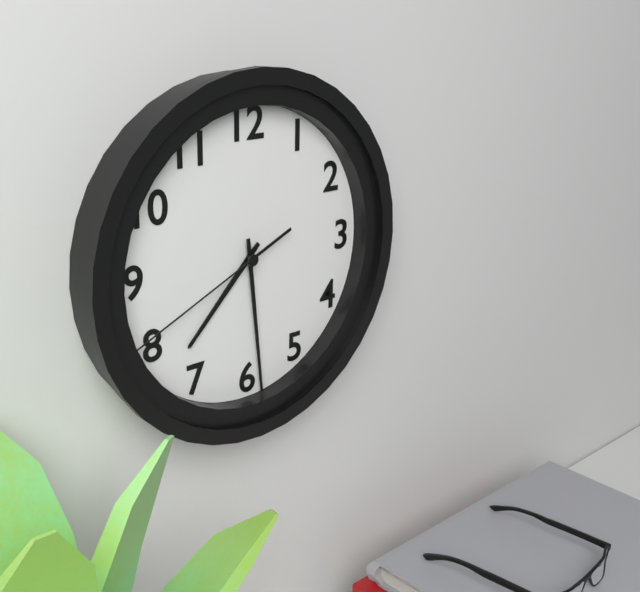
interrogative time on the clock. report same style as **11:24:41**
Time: **7:29:41**
